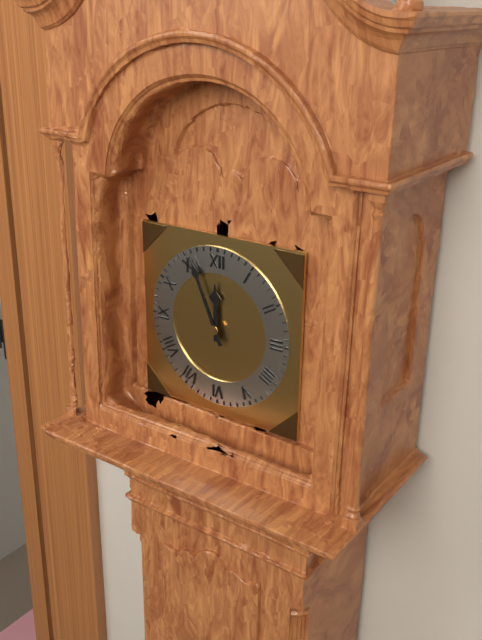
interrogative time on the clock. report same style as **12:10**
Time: **11:56**
